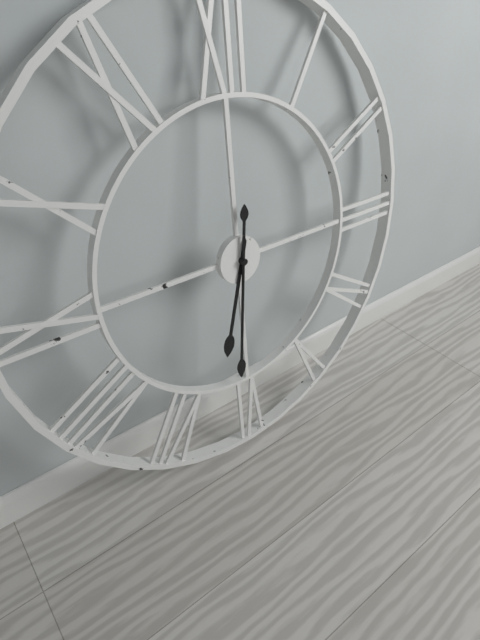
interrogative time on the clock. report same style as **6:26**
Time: **6:31**
